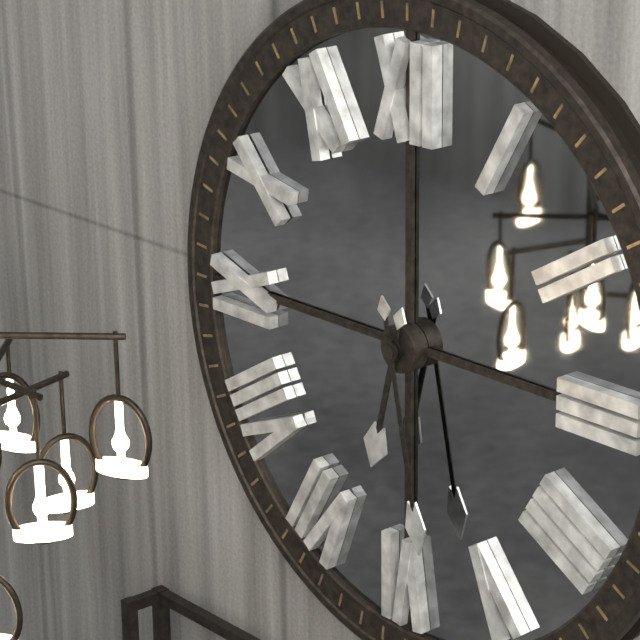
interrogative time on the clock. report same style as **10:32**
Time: **6:28**
